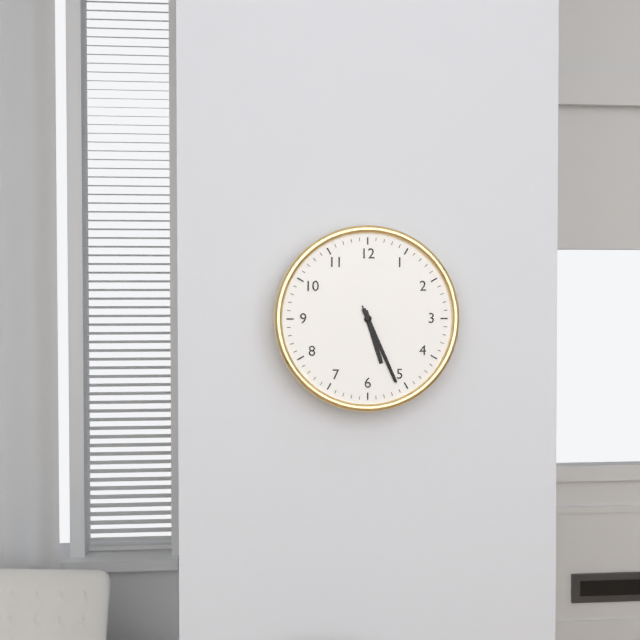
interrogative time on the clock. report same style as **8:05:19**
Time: **5:26:26**
